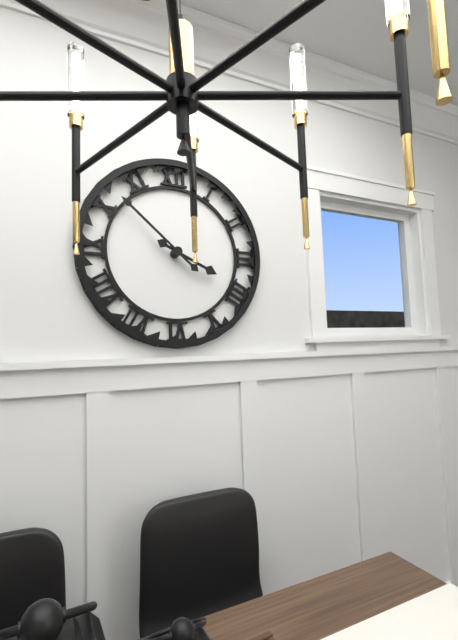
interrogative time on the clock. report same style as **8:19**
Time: **3:52**
